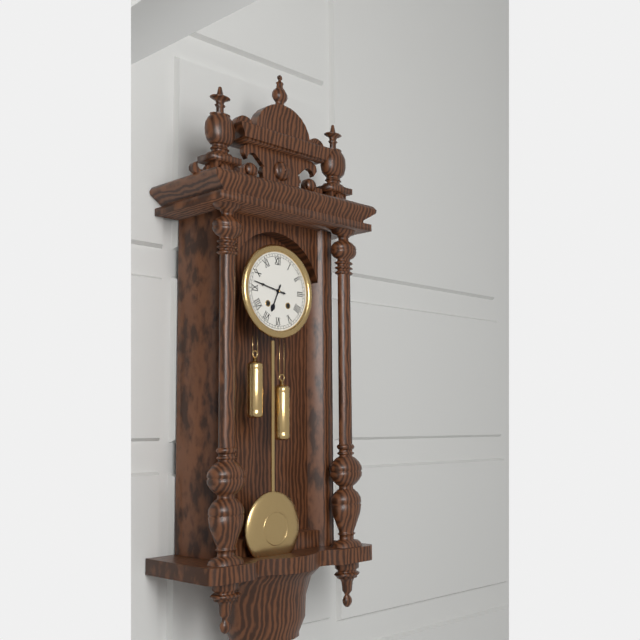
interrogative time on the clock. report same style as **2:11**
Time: **6:47**
